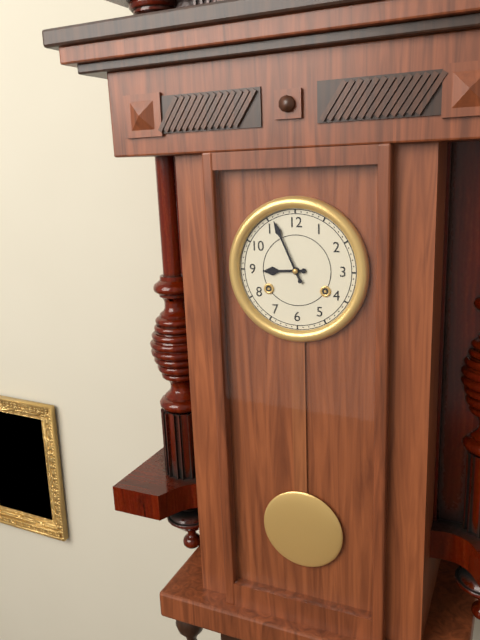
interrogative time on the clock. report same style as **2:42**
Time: **8:56**
